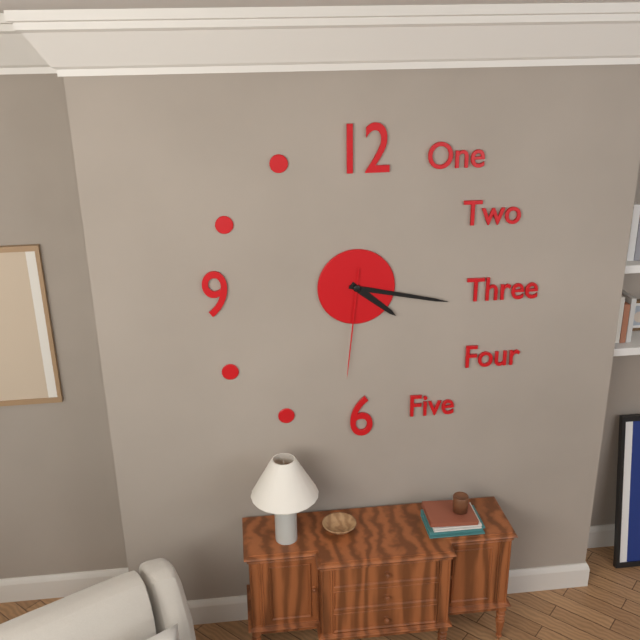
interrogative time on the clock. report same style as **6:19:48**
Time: **4:17:31**
